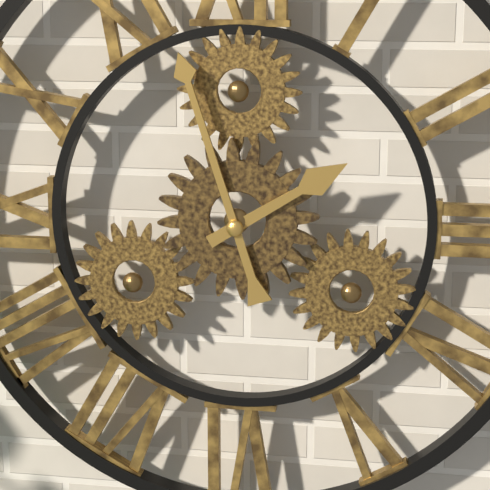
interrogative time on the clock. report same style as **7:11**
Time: **1:57**
